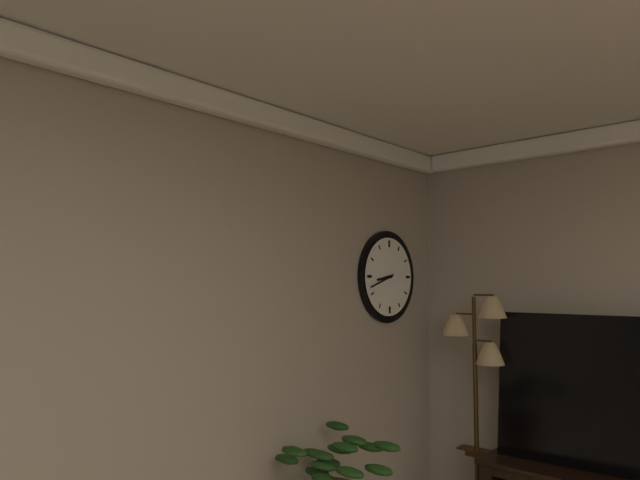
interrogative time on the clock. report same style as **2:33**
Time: **8:42**
